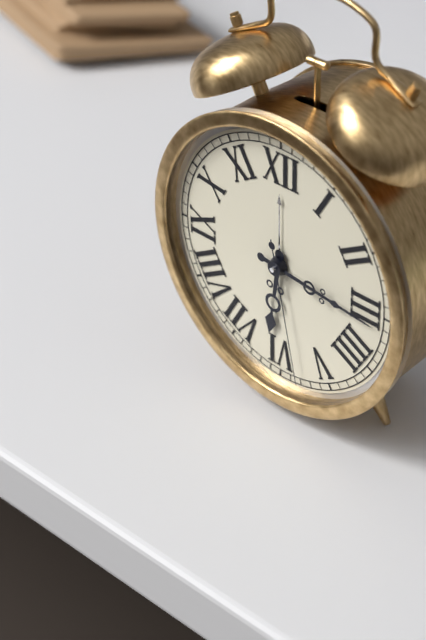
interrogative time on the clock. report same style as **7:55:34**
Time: **6:16:28**
